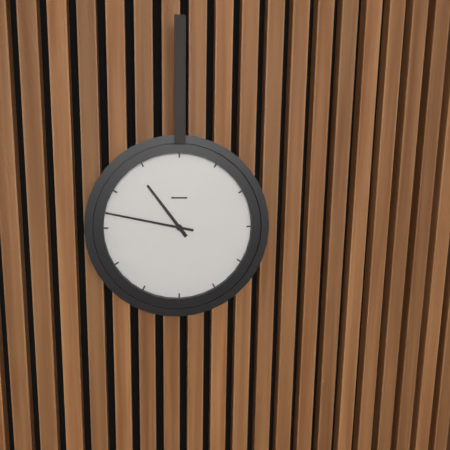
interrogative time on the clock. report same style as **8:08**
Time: **10:47**
